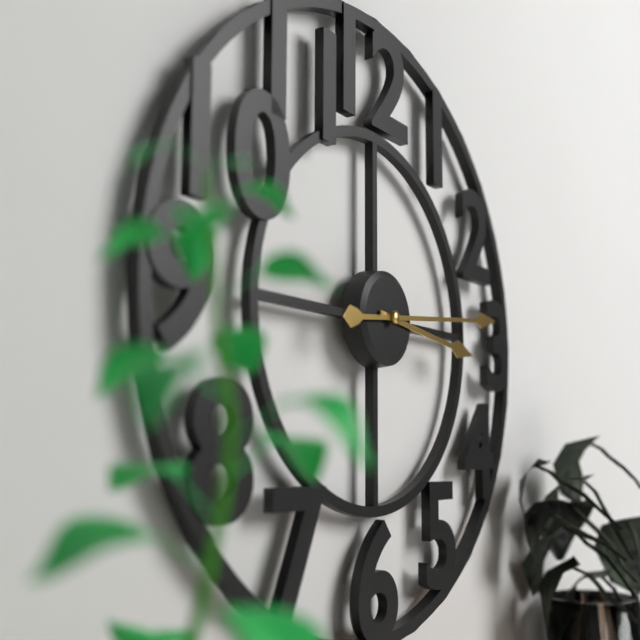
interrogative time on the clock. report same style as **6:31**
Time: **3:14**
